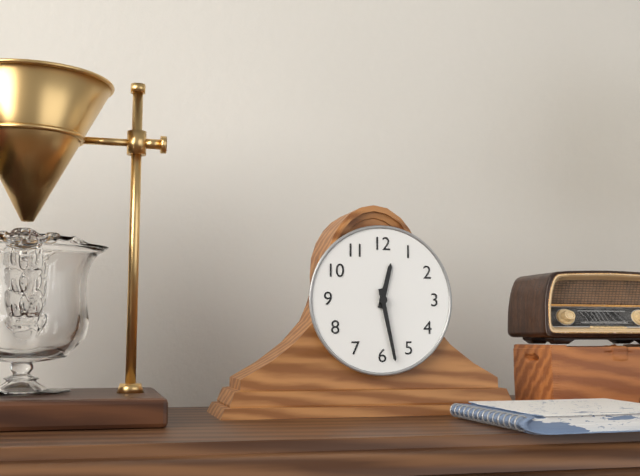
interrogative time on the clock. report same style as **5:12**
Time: **12:28**
